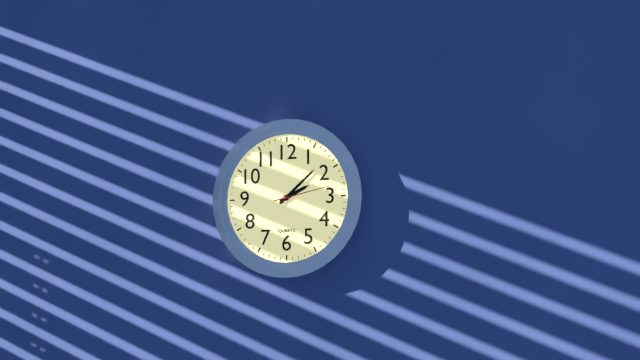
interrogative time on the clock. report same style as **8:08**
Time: **2:08**
